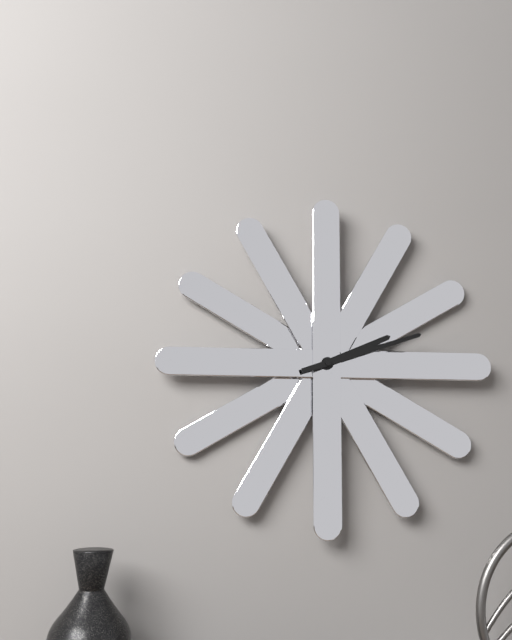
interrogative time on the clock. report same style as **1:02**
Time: **2:12**
